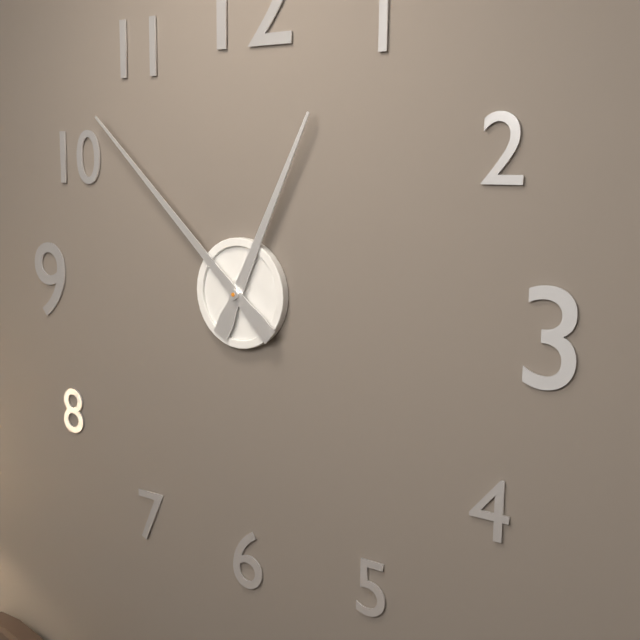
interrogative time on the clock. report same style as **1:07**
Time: **12:52**
